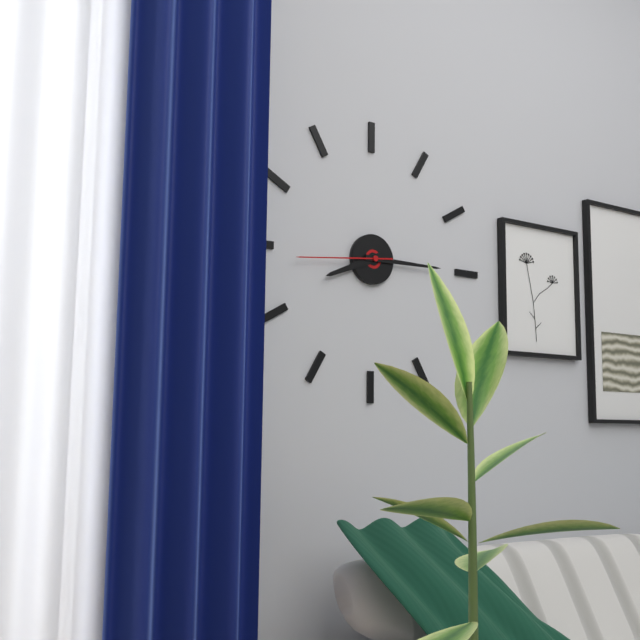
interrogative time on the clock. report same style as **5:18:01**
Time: **8:15:44**
